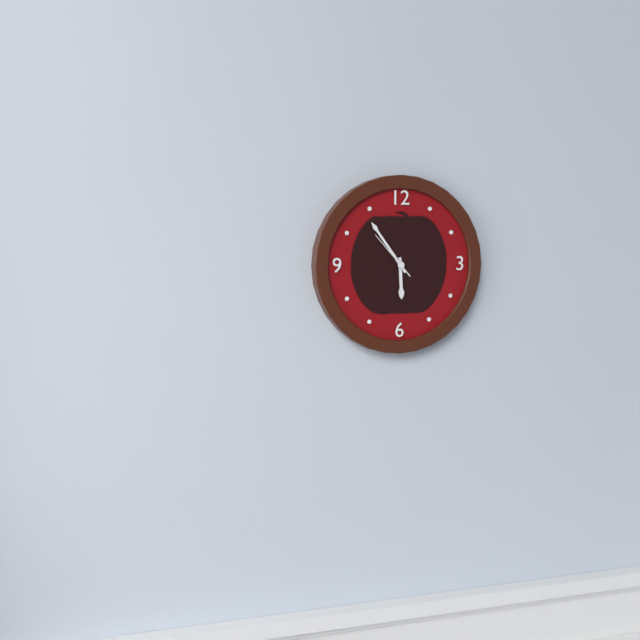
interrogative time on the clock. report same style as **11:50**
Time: **5:54**
